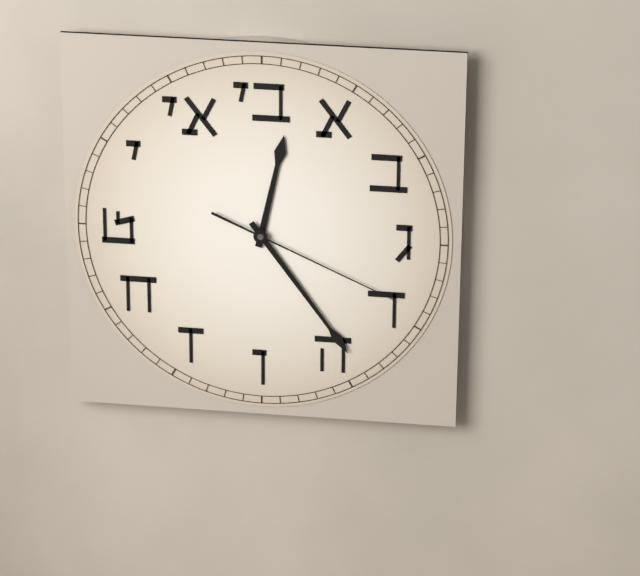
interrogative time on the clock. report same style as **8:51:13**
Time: **12:24:19**
